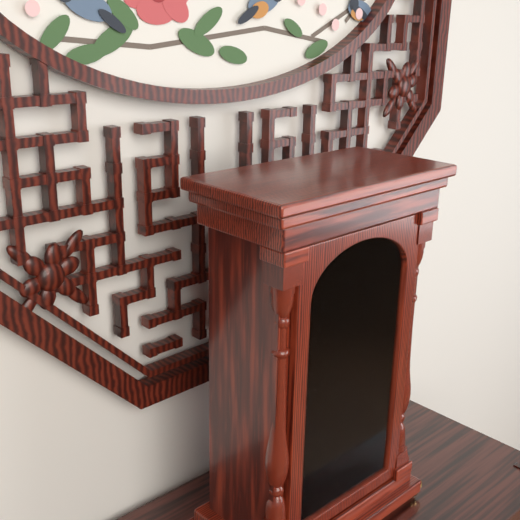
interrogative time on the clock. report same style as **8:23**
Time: **7:08**
